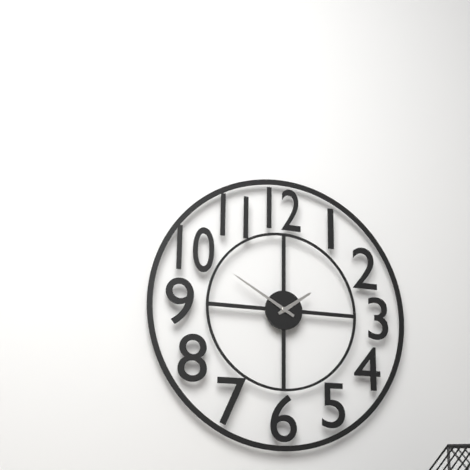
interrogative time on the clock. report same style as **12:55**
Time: **1:50**
